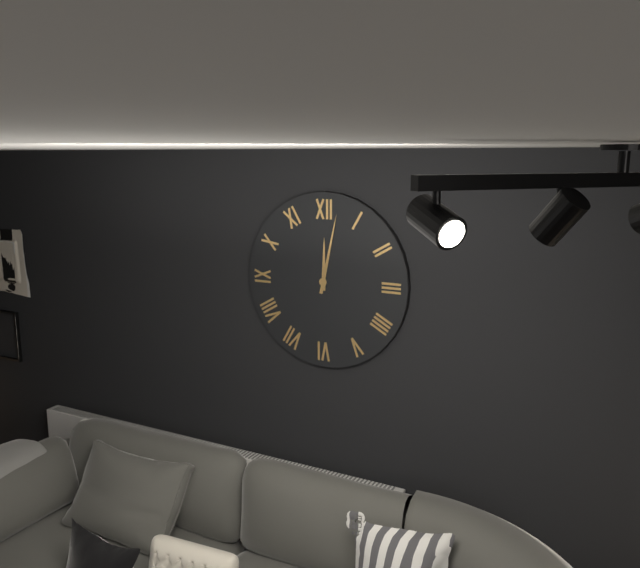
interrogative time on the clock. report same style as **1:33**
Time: **12:02**
